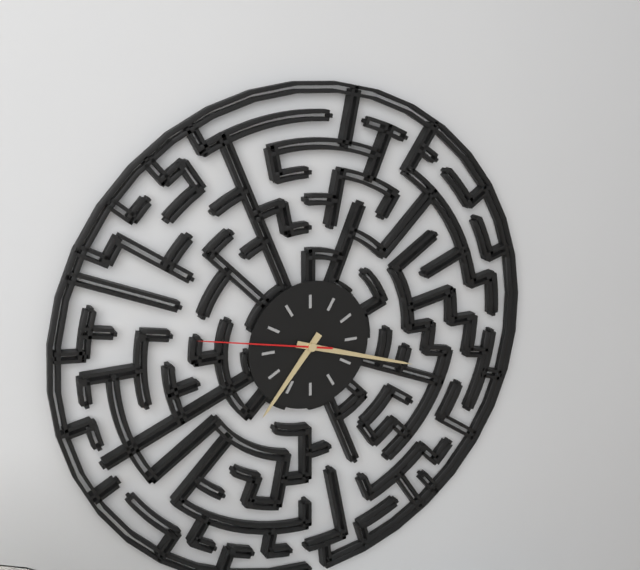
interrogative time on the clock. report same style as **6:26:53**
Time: **7:18:47**
